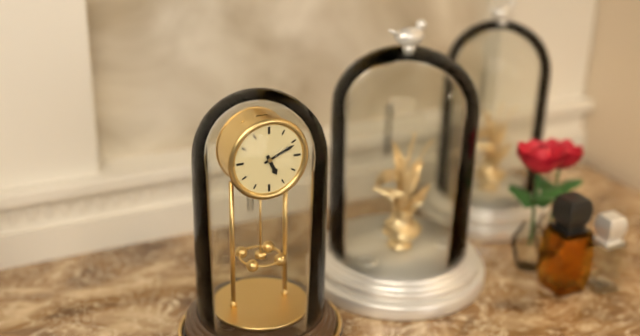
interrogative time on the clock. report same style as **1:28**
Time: **5:11**
